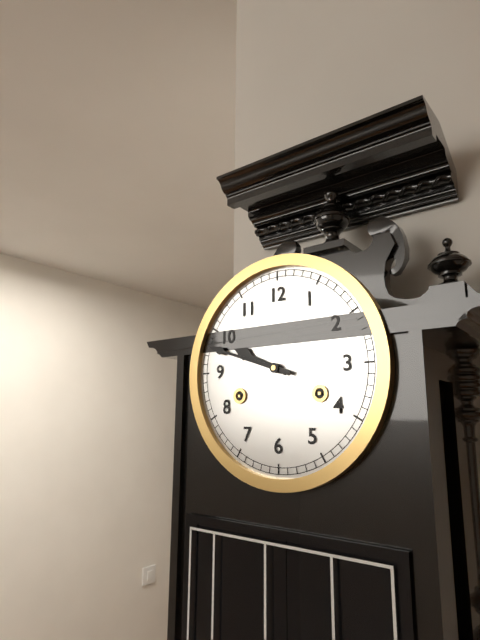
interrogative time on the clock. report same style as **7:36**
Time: **9:48**
